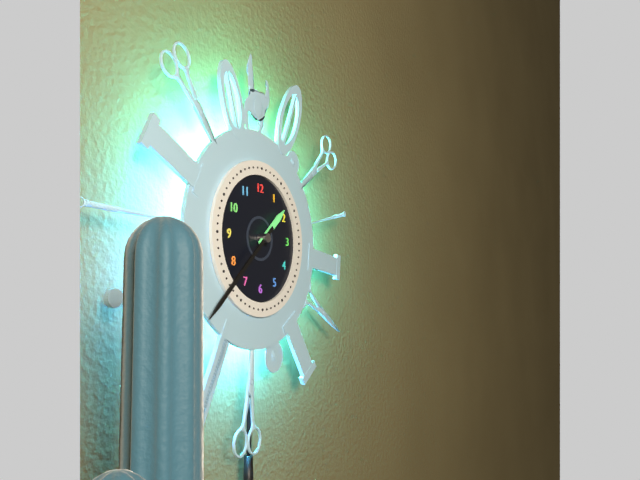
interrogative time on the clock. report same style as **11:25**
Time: **1:38**
